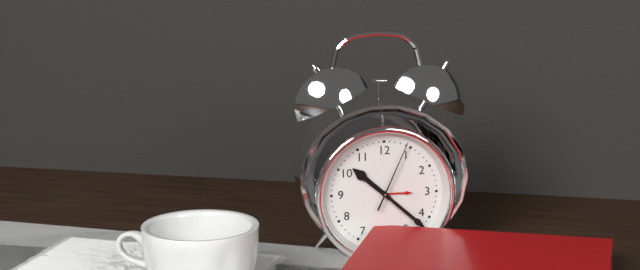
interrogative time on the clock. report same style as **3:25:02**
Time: **10:22:04**
